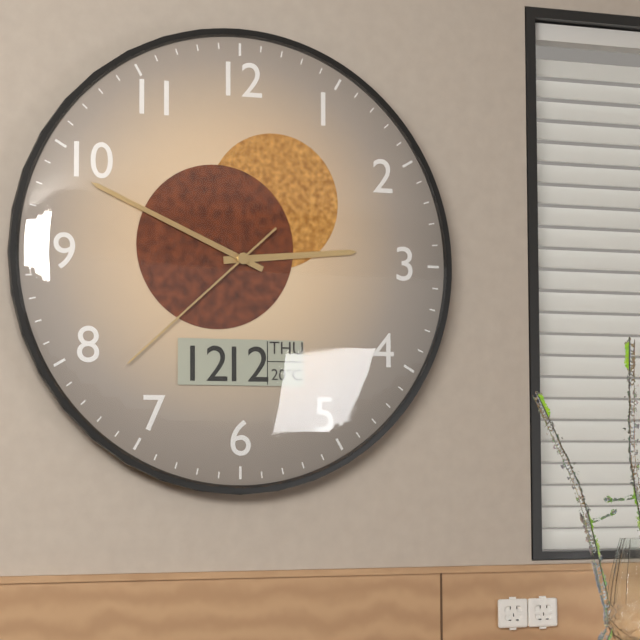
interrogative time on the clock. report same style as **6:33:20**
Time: **2:49:38**
